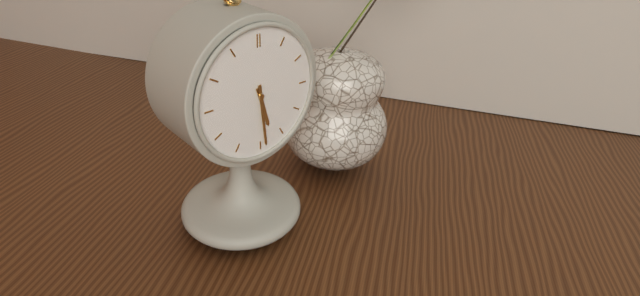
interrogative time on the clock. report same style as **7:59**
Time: **5:29**
